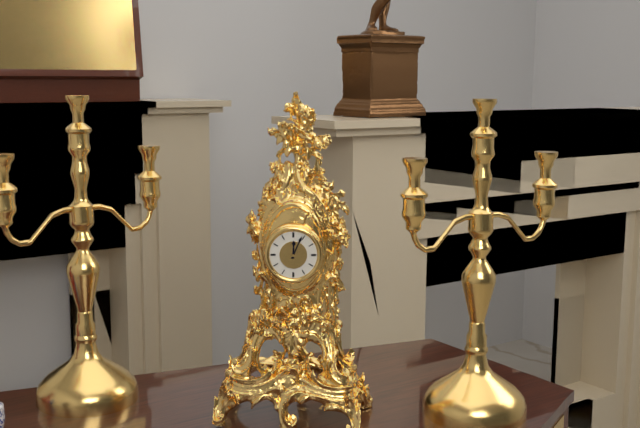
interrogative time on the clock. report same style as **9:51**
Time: **12:04**
